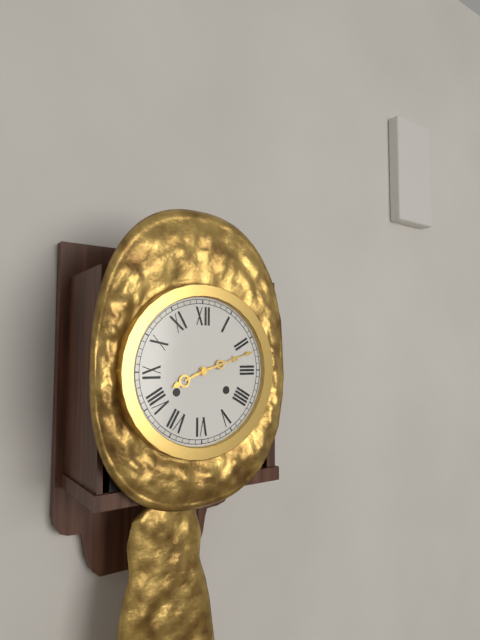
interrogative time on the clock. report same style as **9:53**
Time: **8:12**
